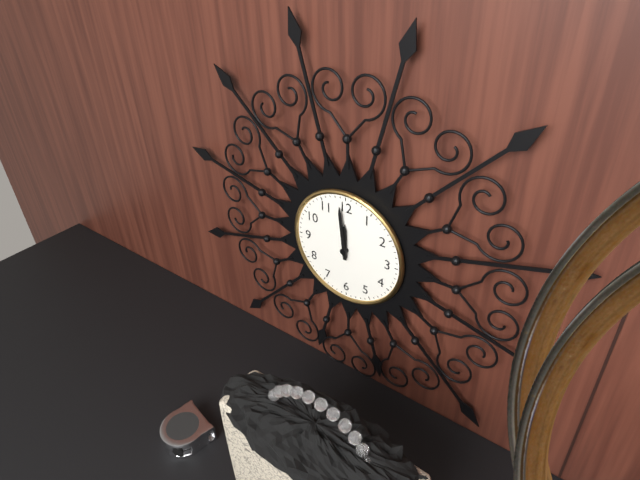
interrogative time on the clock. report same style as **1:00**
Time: **11:59**
